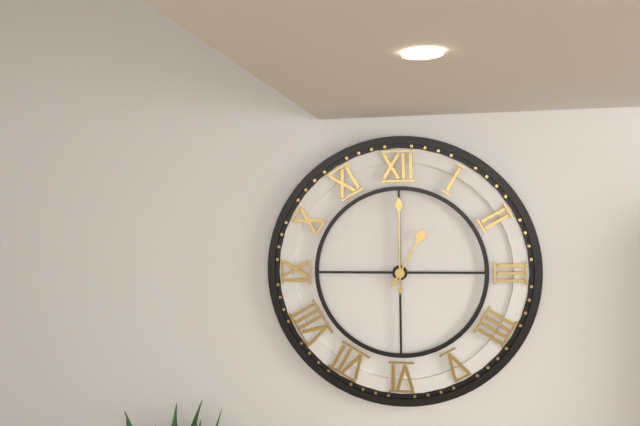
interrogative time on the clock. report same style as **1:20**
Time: **1:00**
